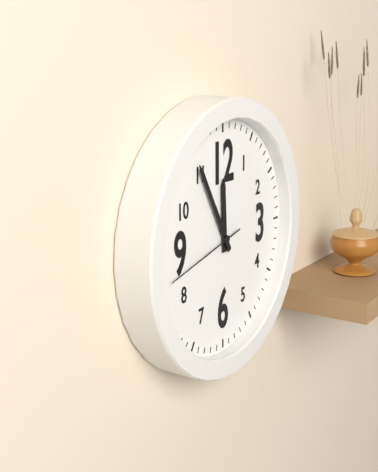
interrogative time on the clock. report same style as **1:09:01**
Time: **11:55:43**
